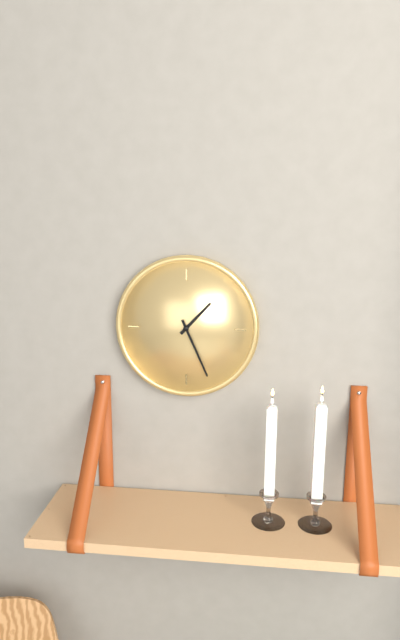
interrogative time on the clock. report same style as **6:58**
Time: **1:26**
